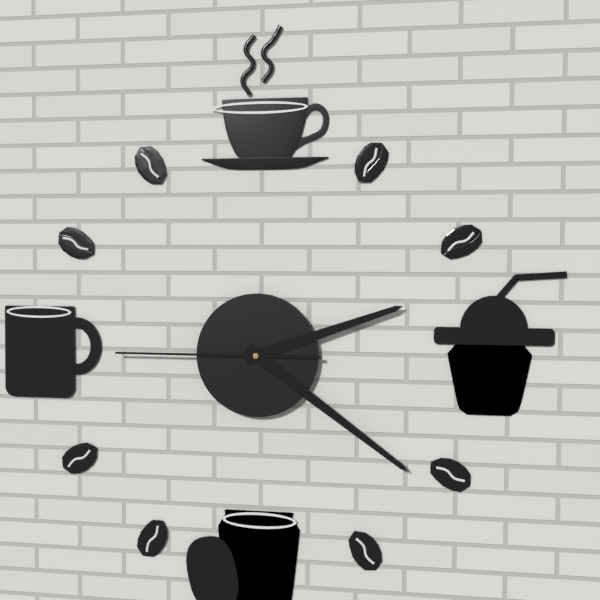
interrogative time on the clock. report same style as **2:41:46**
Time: **2:21:45**
